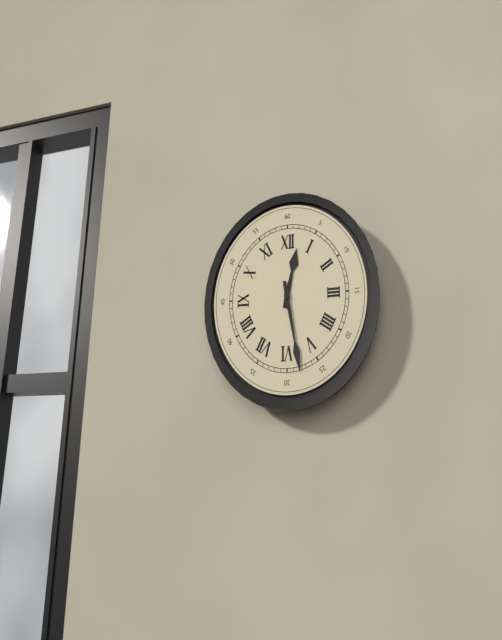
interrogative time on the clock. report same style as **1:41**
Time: **12:28**
